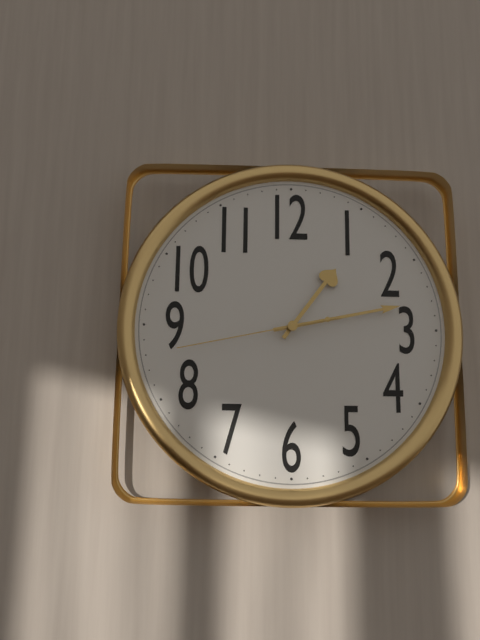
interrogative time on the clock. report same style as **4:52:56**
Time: **1:13:43**
